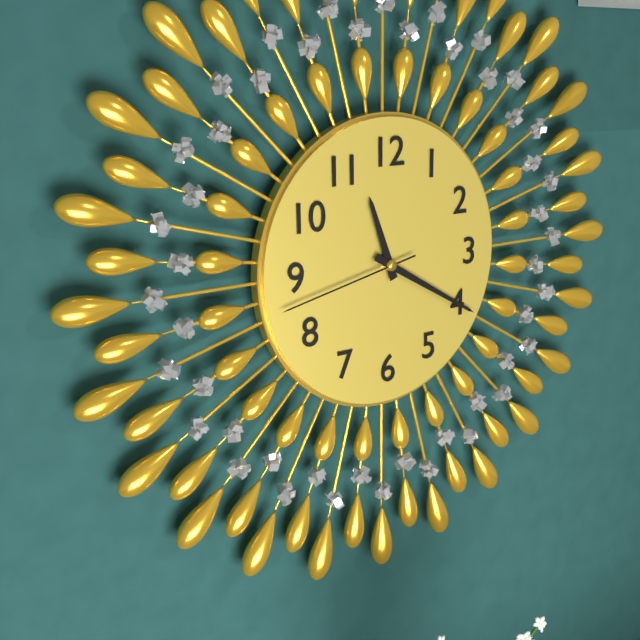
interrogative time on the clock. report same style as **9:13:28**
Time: **11:20:43**
